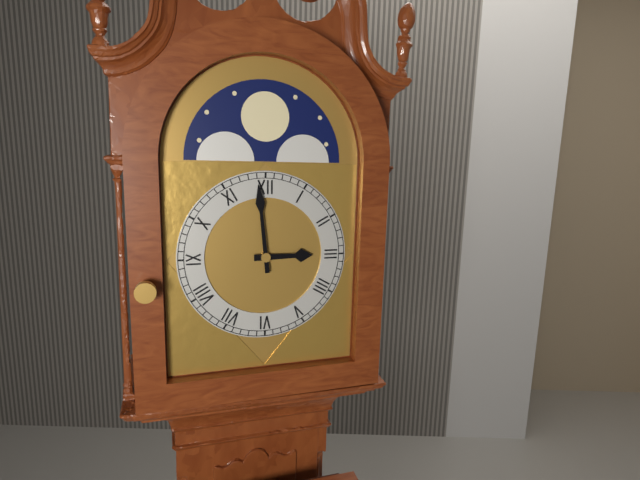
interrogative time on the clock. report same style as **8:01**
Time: **2:59**
